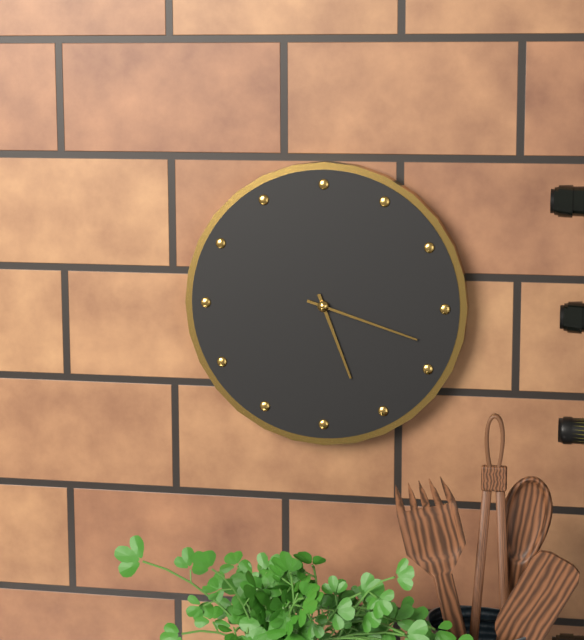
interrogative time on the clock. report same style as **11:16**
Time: **5:18**
